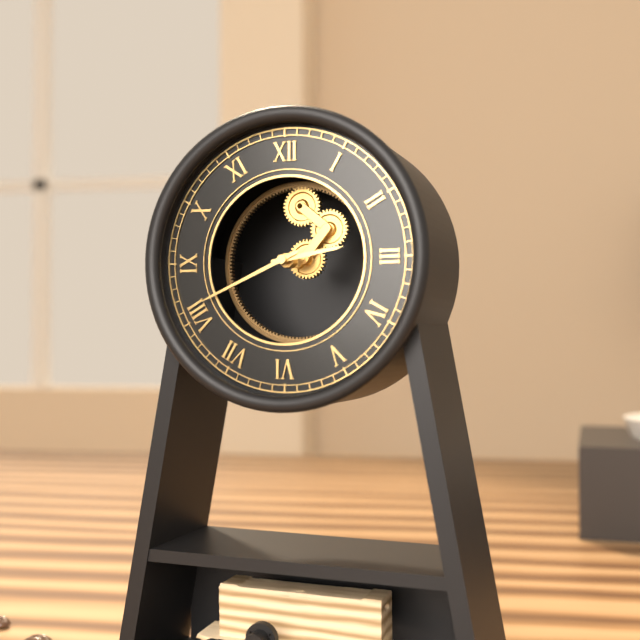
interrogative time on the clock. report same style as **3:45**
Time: **2:41**
